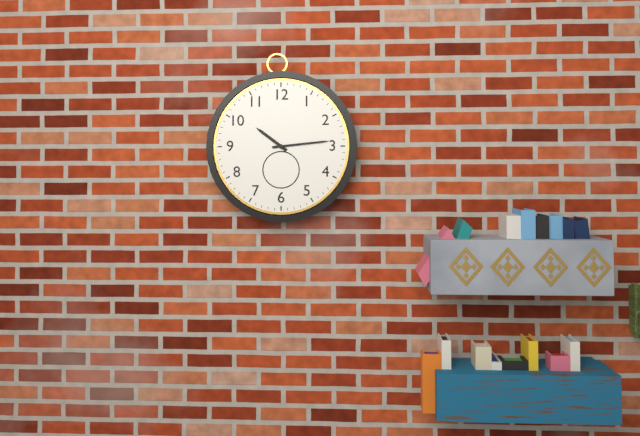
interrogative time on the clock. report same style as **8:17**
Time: **10:14**
